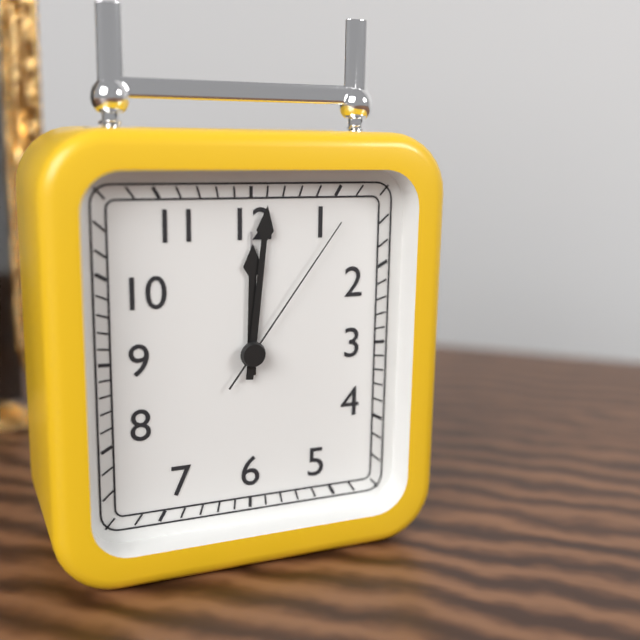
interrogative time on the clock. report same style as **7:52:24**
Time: **12:01:06**
